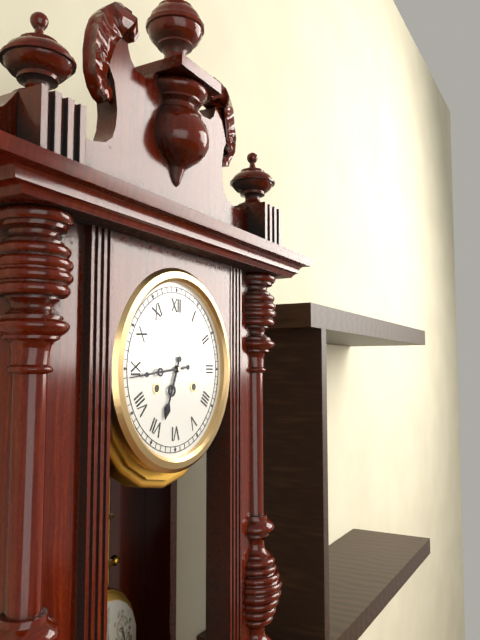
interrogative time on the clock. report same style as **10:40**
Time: **6:44**
